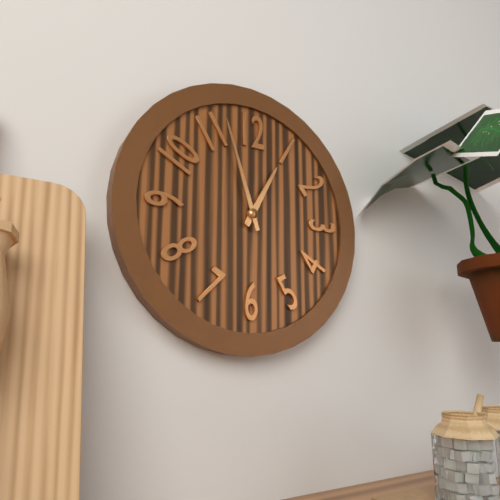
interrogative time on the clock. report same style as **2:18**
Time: **12:57**
